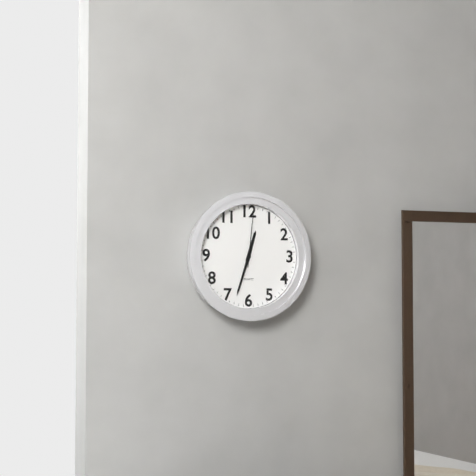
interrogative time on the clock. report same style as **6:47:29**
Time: **12:33:01**
